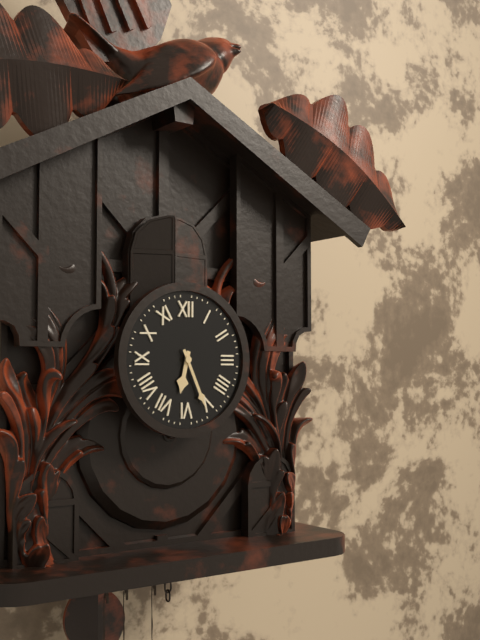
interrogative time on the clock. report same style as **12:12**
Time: **6:26**
